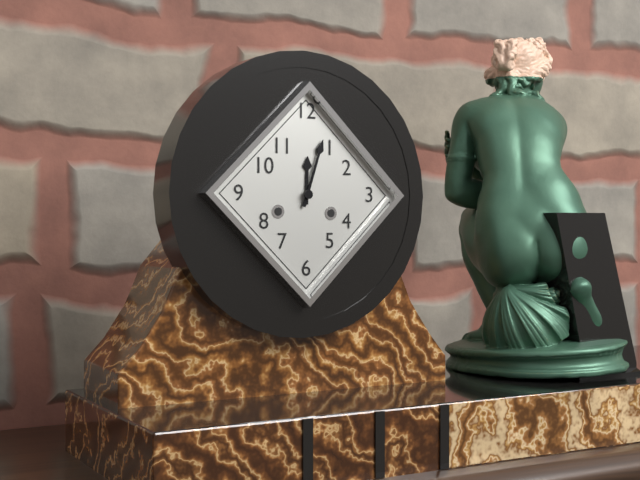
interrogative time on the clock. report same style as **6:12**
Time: **12:03**
